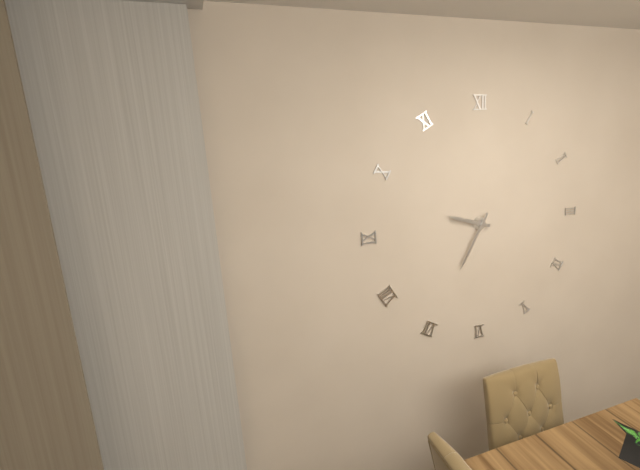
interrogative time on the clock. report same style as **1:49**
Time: **9:35**
